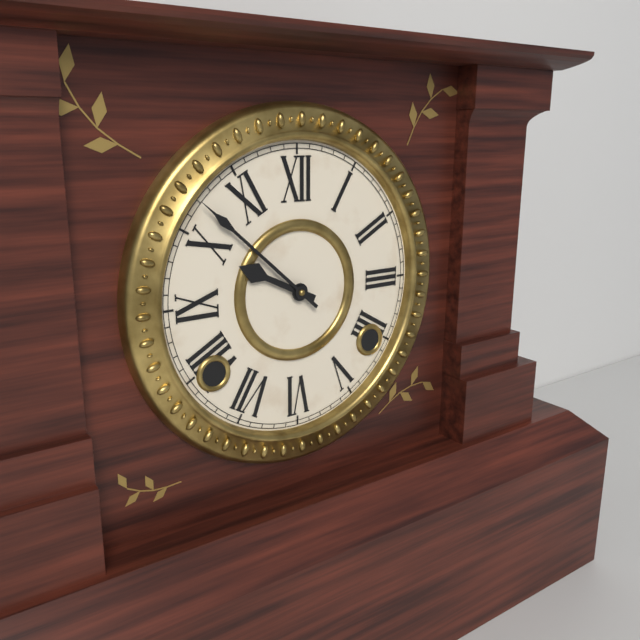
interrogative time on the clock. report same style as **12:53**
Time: **9:52**
